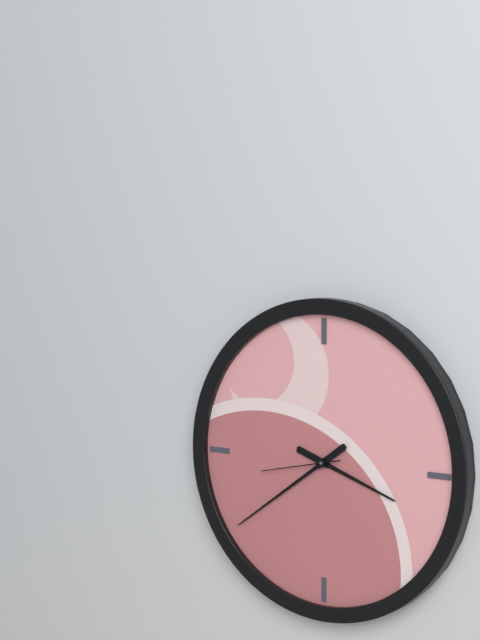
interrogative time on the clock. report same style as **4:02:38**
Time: **3:39:43**
